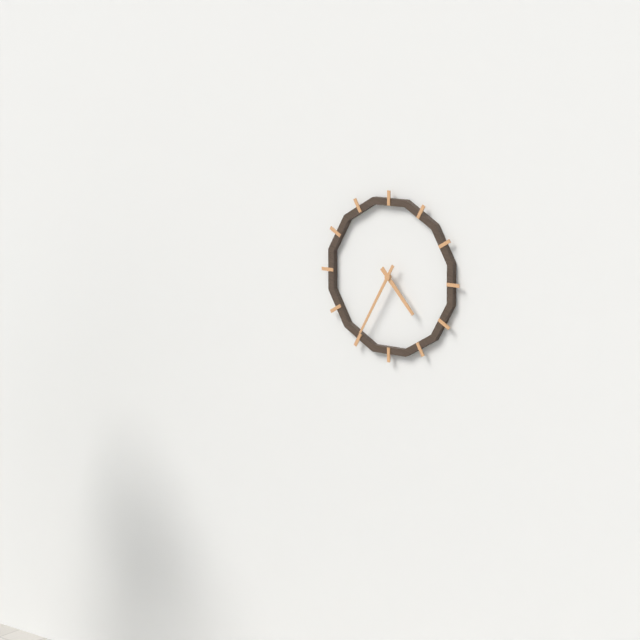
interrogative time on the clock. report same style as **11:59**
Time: **4:35**
